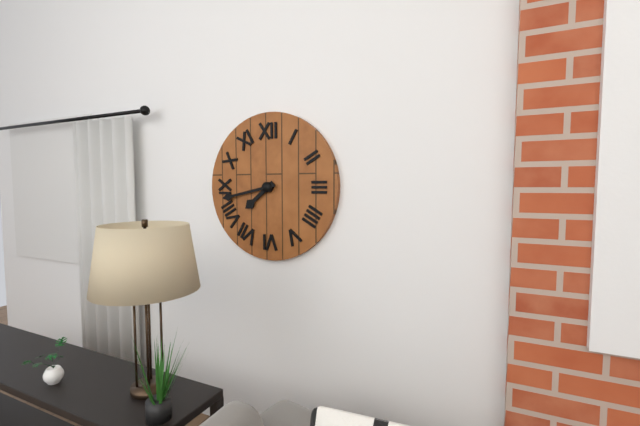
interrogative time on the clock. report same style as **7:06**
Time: **7:43**
